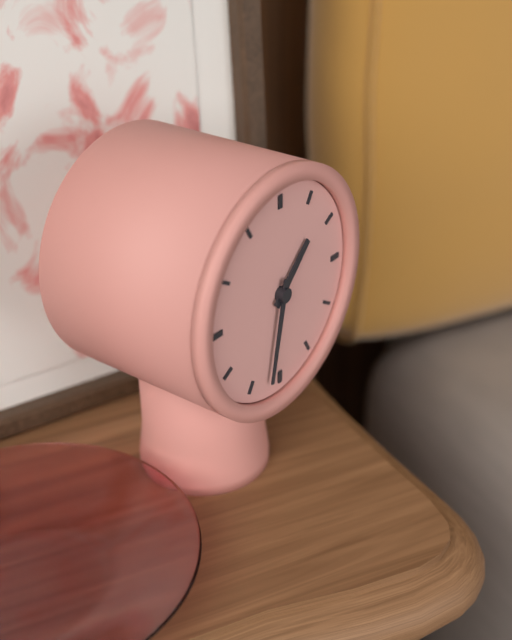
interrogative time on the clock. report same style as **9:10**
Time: **1:32**
